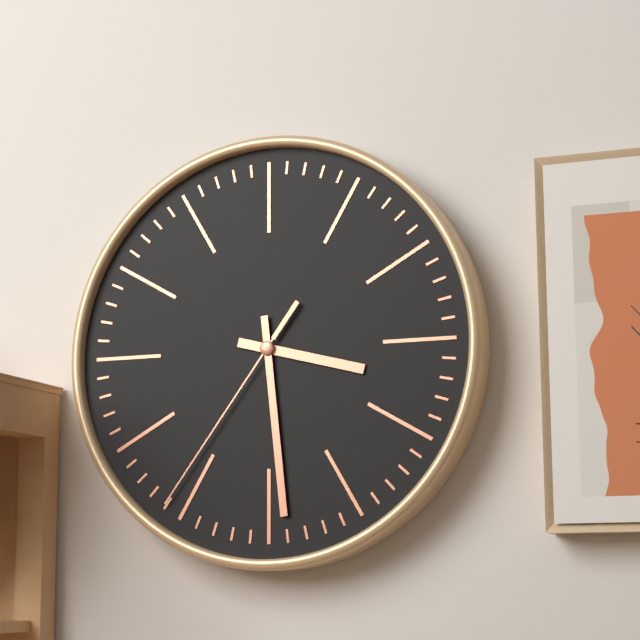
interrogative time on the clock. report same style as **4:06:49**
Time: **3:29:36**
